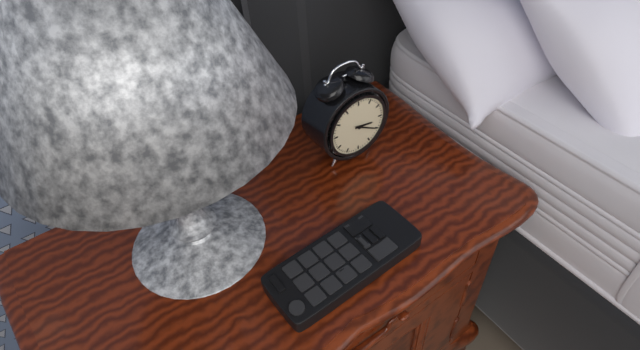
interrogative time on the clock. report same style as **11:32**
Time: **3:20**
